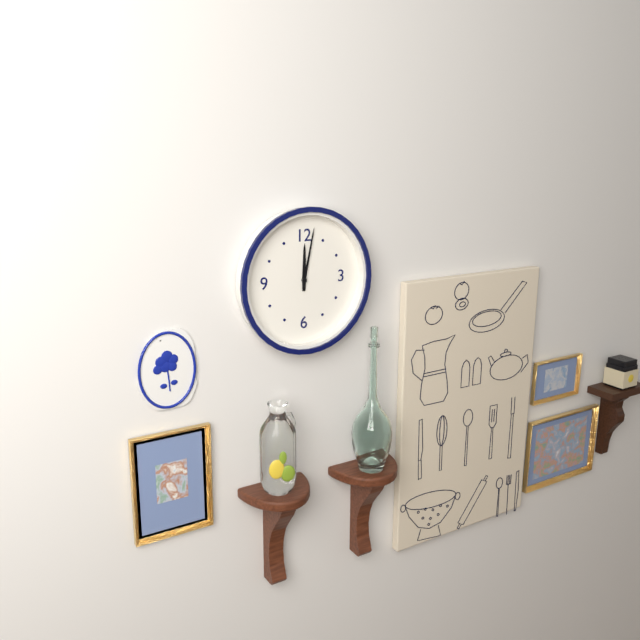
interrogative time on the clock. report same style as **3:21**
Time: **12:02**
